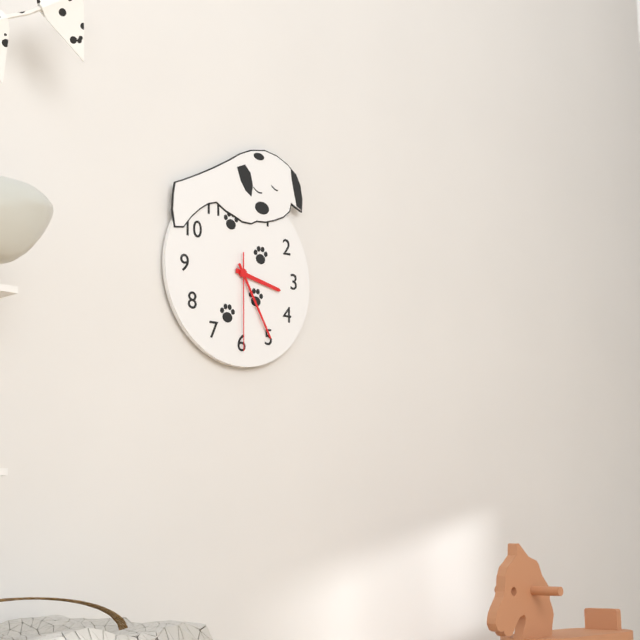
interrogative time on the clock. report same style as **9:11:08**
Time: **3:25:30**
